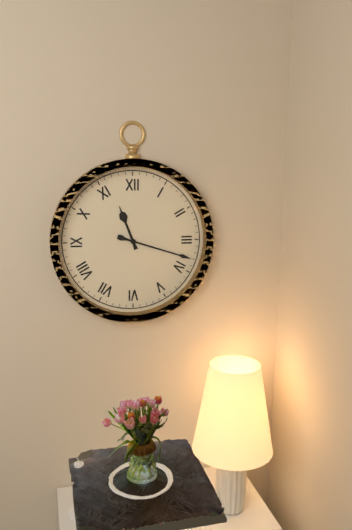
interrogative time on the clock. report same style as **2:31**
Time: **11:18**
